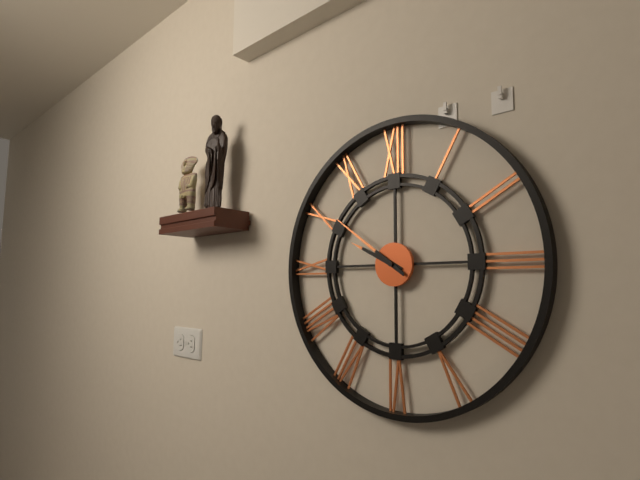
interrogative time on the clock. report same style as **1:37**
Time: **9:51**
